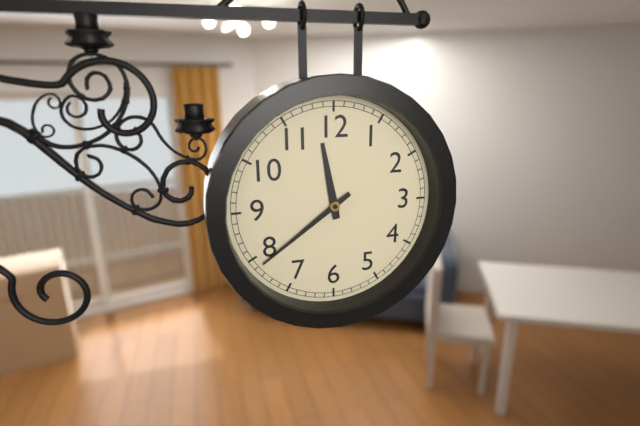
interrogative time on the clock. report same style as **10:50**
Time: **11:39**
